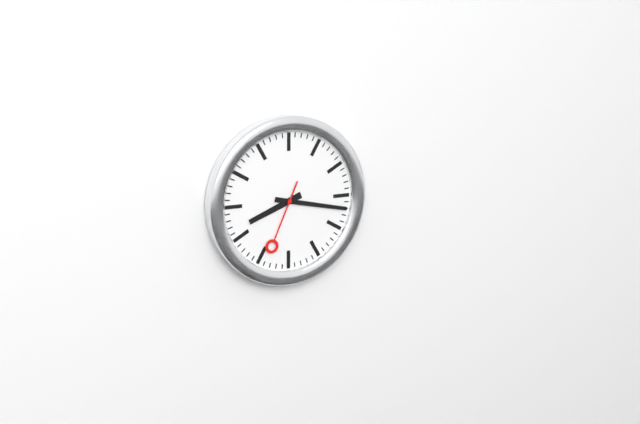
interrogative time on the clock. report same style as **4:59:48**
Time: **8:17:34**
